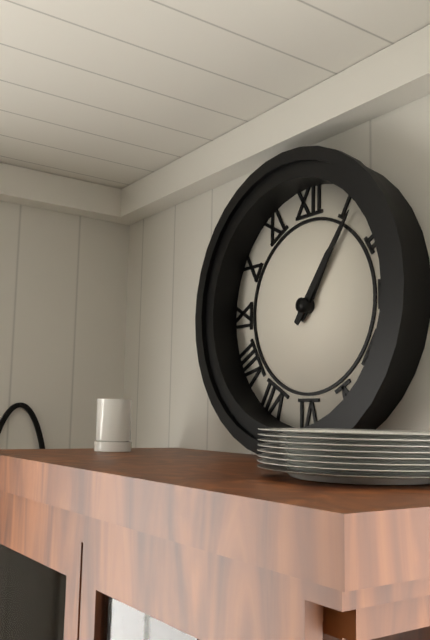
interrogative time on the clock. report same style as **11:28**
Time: **1:06**
